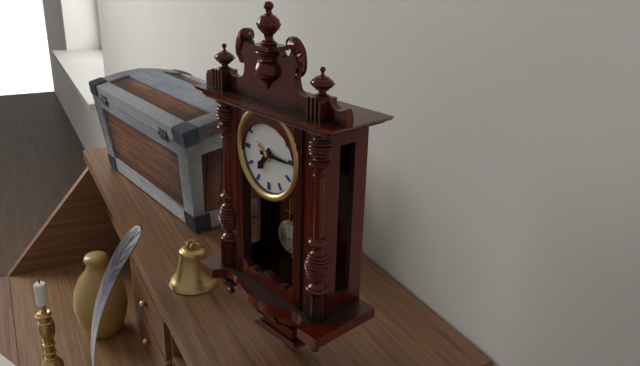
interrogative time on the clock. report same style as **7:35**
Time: **7:15**
